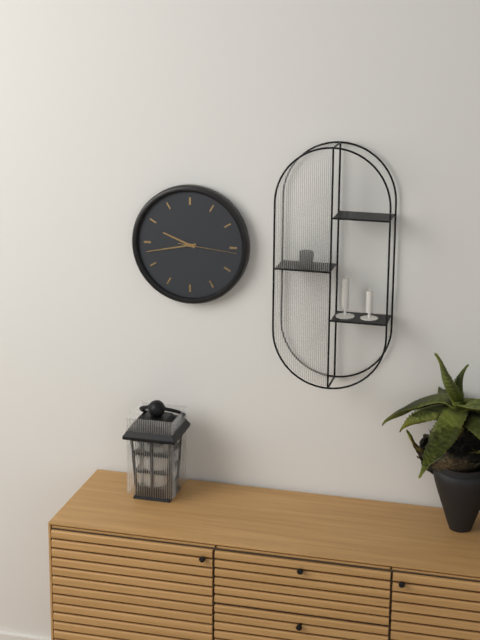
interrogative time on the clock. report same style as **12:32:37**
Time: **9:43:16**
